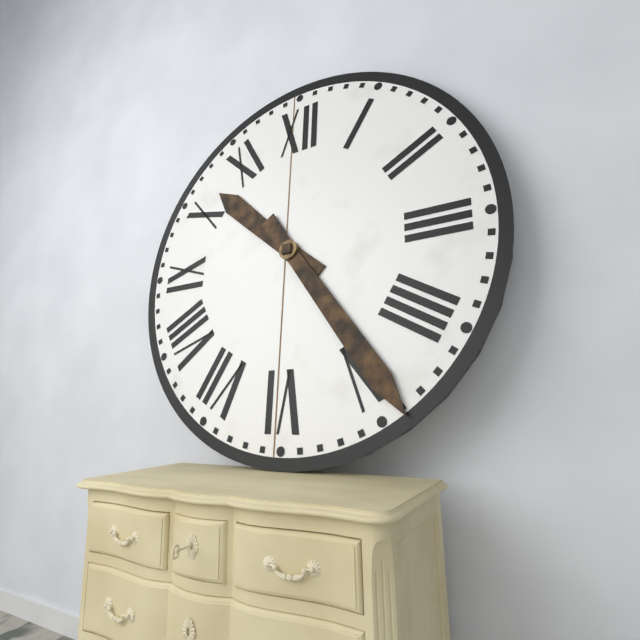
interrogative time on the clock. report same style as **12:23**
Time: **10:24**
